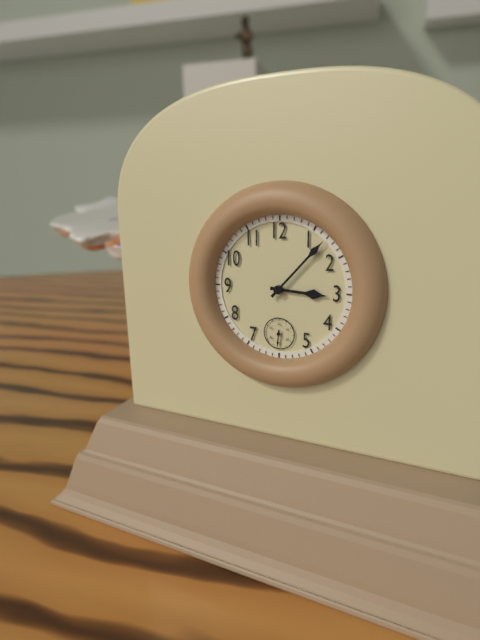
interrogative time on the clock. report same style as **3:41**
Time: **3:07**
